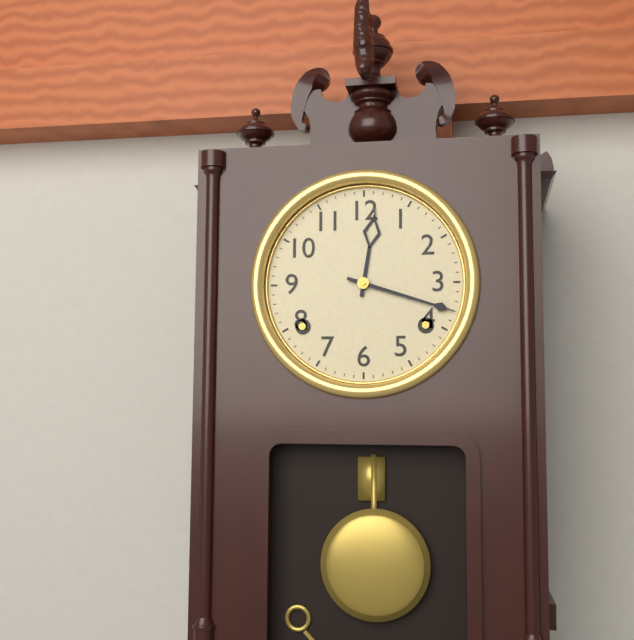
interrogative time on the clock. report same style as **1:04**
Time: **12:18**
